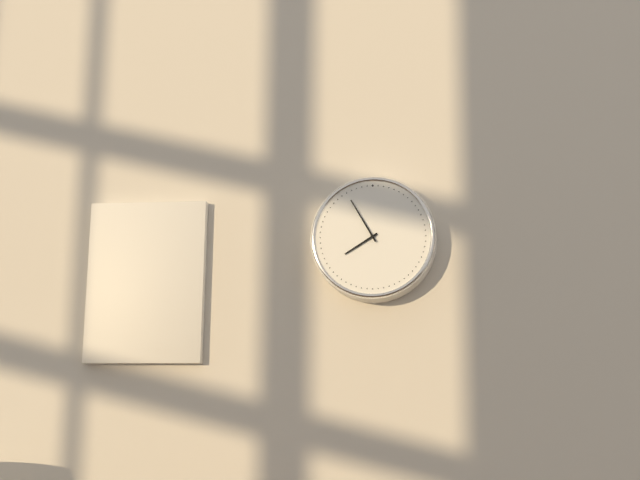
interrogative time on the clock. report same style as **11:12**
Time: **7:55**
